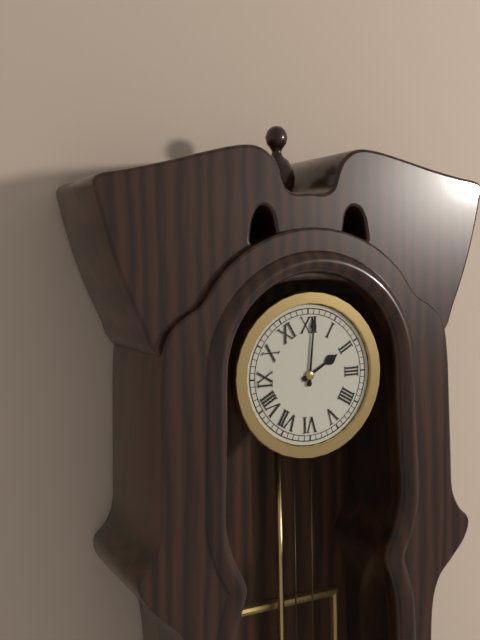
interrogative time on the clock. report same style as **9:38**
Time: **2:01**
